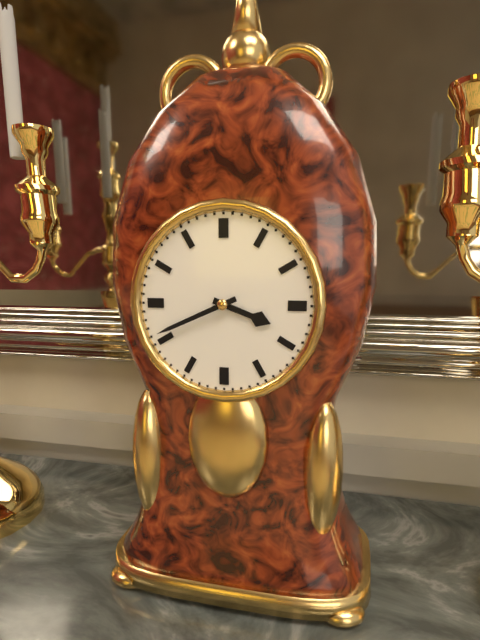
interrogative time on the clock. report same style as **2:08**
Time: **3:41**
